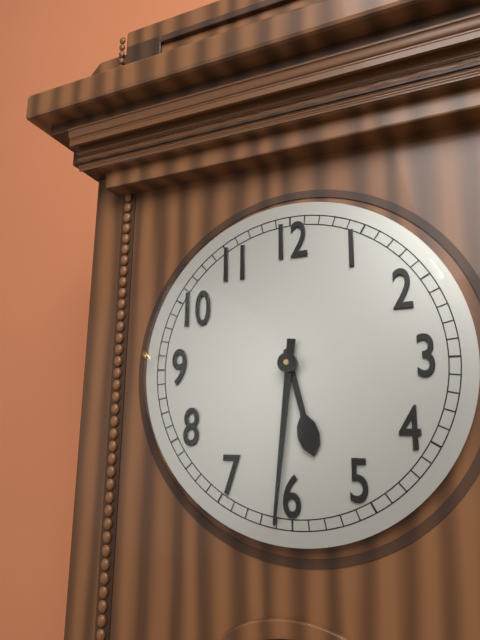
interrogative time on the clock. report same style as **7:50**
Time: **5:31**
